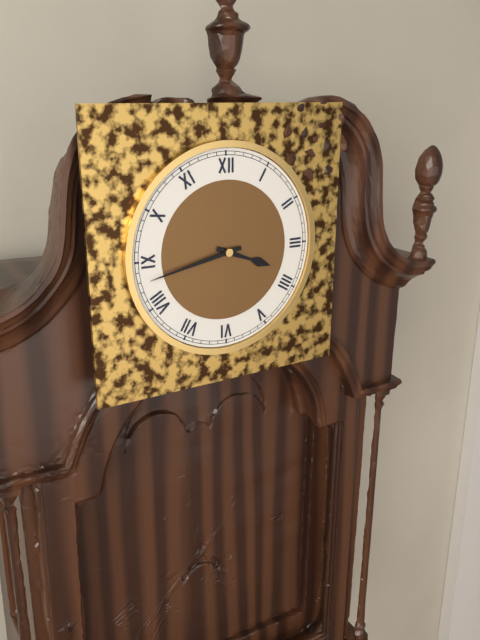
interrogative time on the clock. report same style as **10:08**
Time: **3:43**
